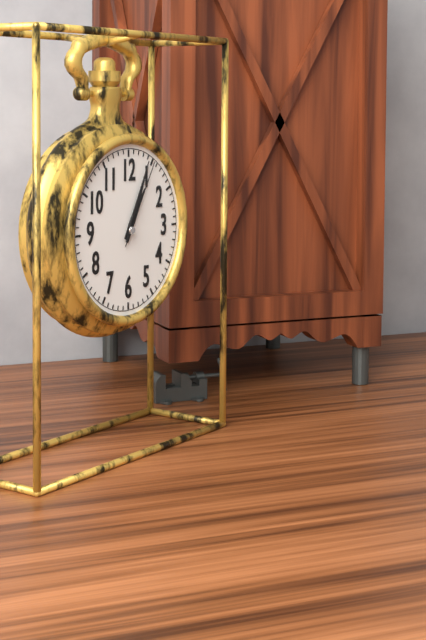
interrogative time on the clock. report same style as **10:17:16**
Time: **1:04:05**
